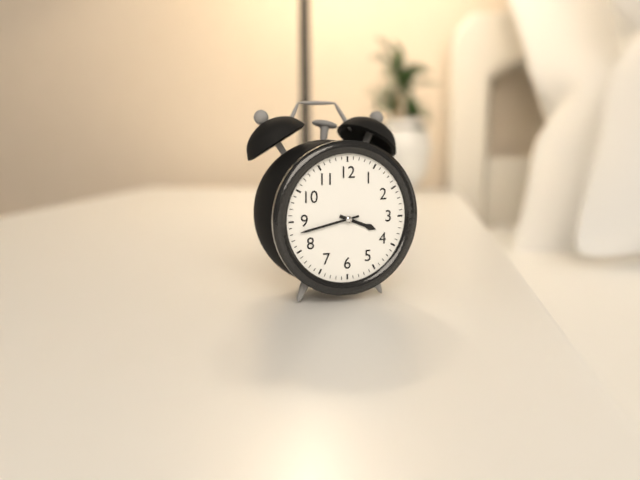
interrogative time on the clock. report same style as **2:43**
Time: **3:43**
